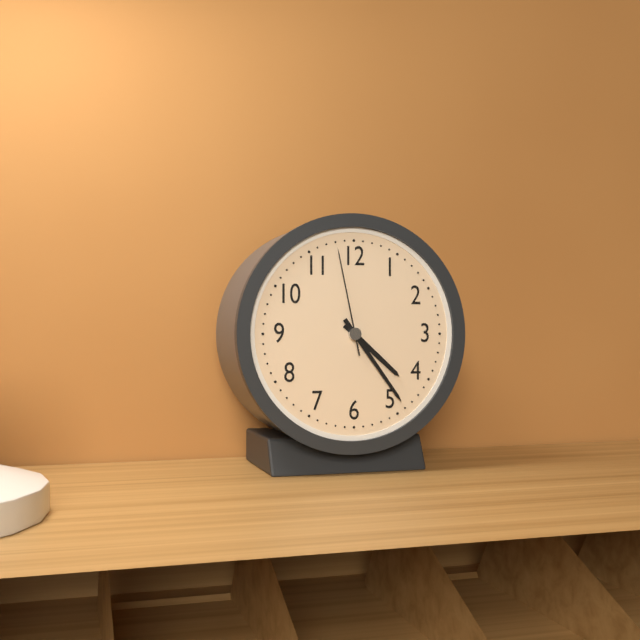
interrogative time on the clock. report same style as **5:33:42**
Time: **4:24:58**
